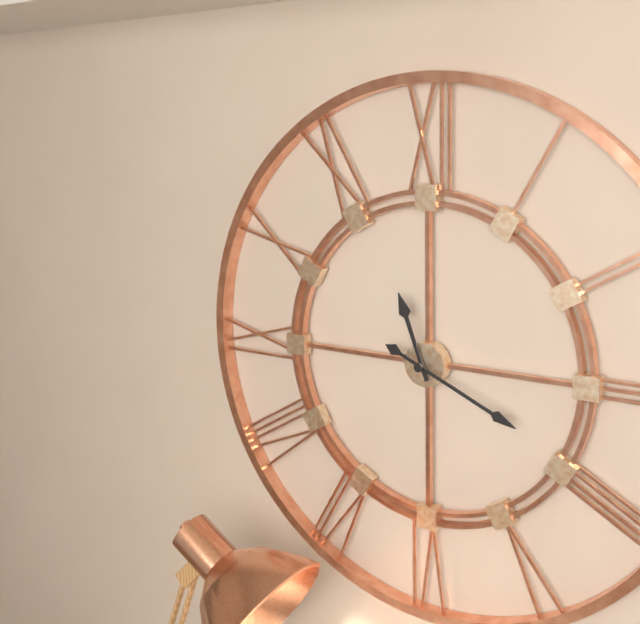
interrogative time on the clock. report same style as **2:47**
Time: **11:19**
